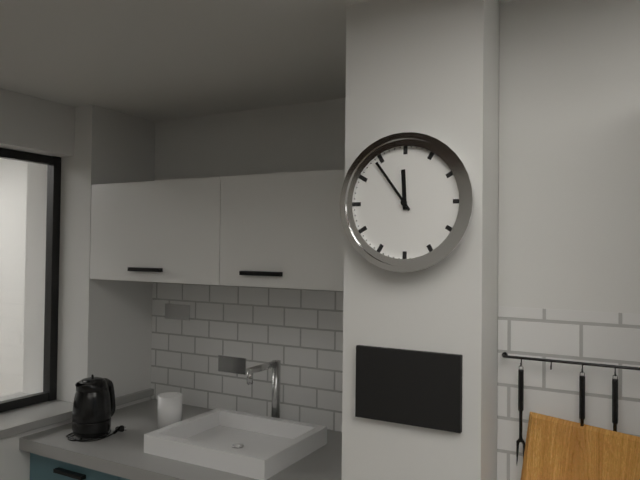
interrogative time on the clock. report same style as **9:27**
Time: **11:54**
